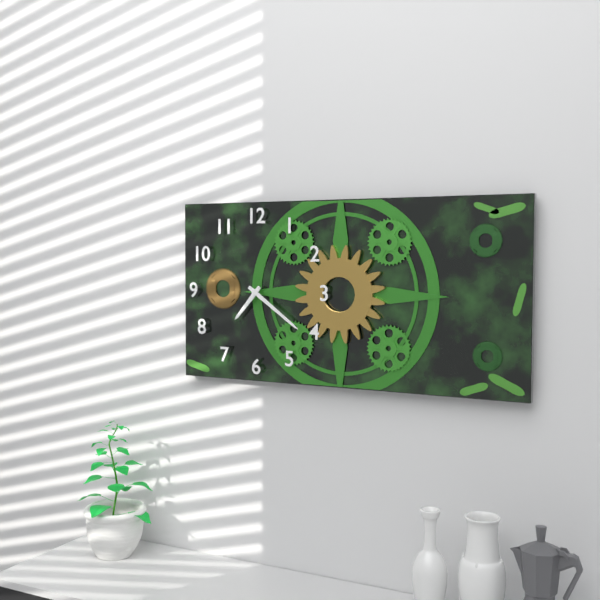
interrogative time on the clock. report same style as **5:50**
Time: **7:21**
